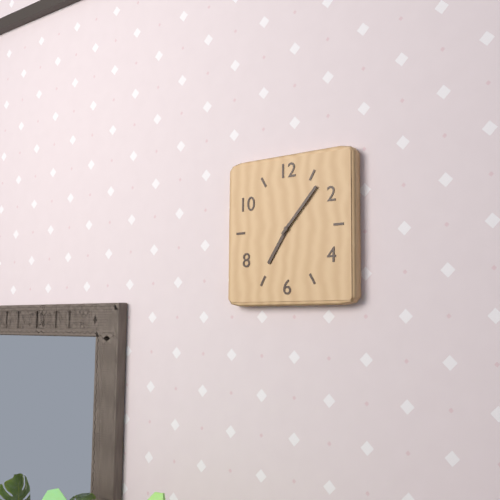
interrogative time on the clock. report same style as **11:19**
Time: **7:07**
